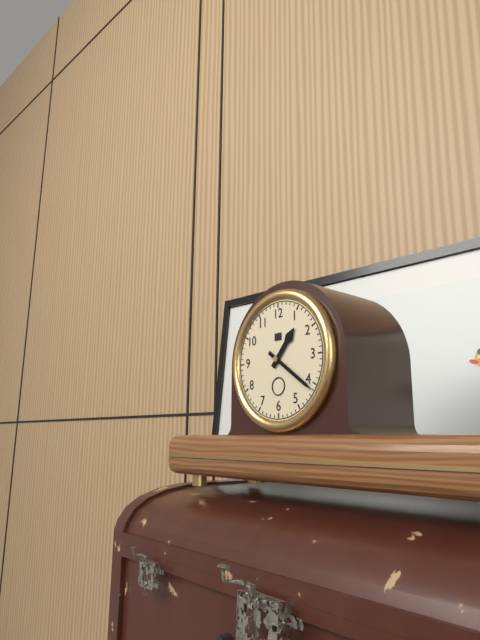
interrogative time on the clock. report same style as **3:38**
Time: **1:21**
